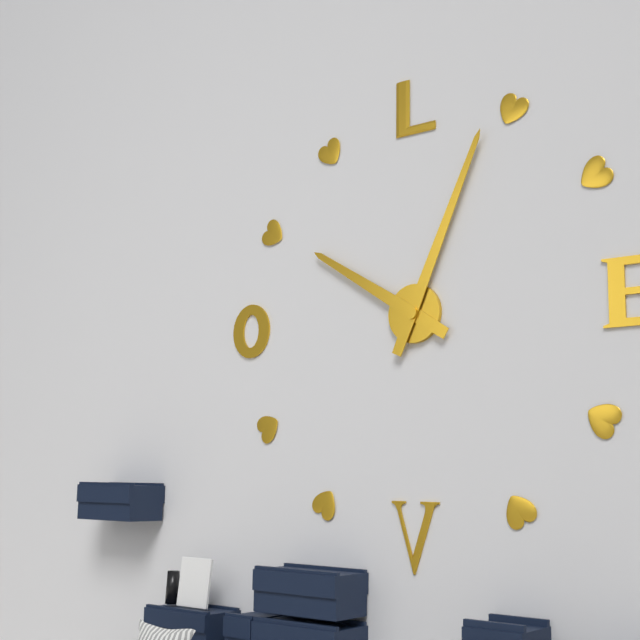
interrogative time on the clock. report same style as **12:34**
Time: **10:04**
